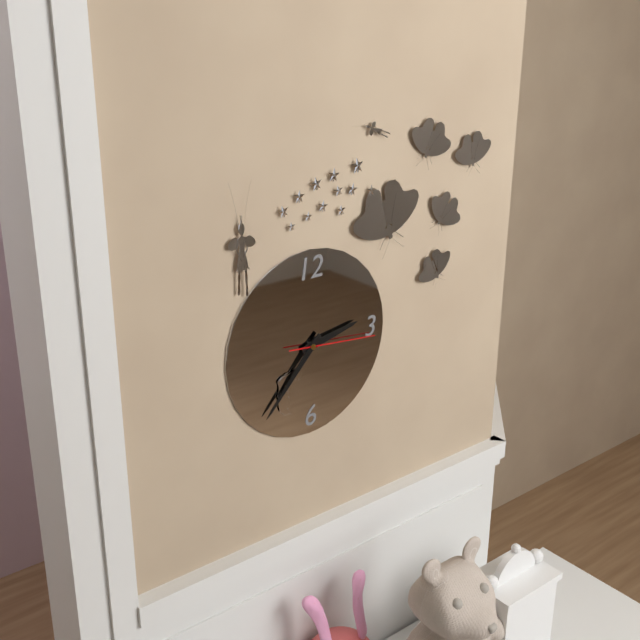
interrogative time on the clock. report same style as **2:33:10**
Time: **2:37:16**
